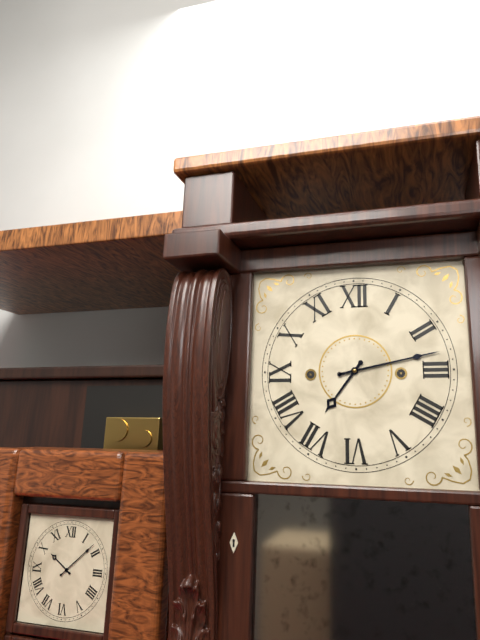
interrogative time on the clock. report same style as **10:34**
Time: **7:13**
